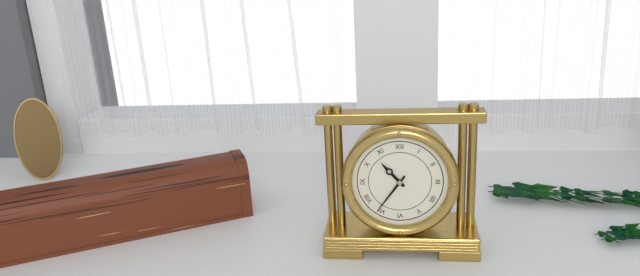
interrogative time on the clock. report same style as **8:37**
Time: **10:36**
